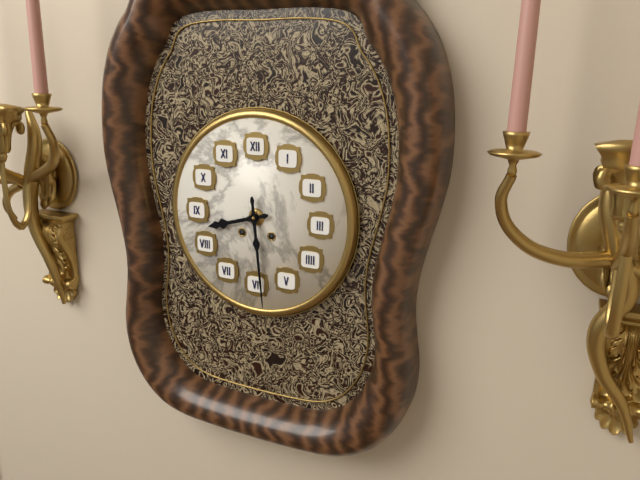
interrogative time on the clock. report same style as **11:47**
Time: **8:29**
